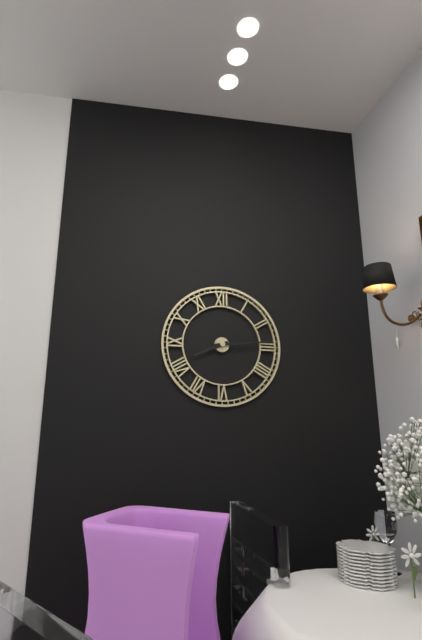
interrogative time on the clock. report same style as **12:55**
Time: **8:14**
